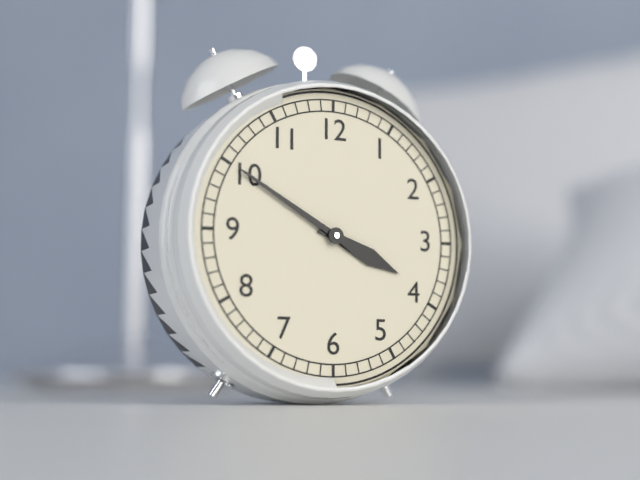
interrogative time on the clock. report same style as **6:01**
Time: **3:50**
